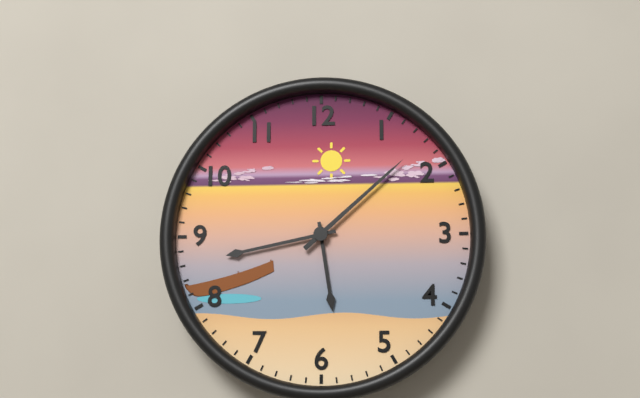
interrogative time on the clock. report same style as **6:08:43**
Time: **5:43:08**
